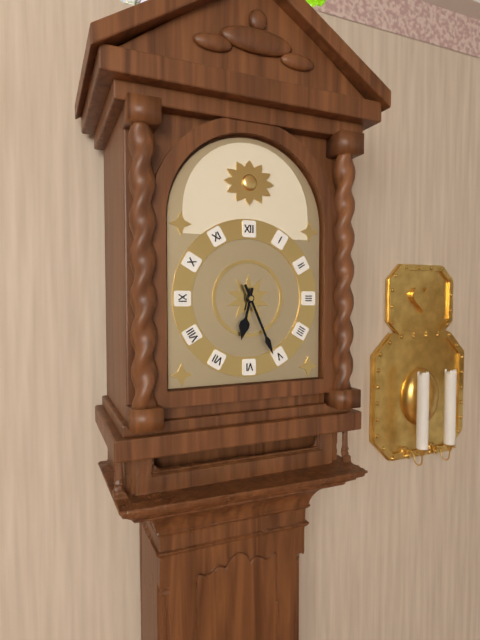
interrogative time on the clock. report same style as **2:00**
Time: **6:26**
